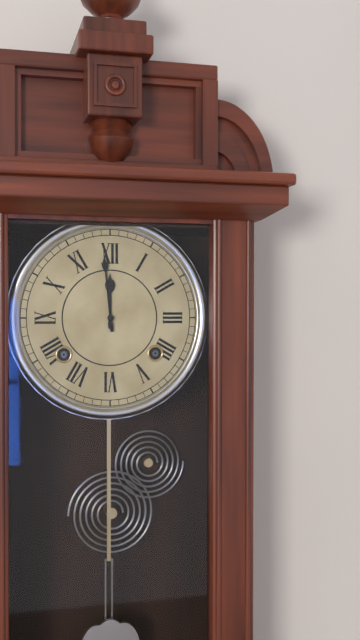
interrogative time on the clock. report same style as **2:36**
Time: **11:59**
